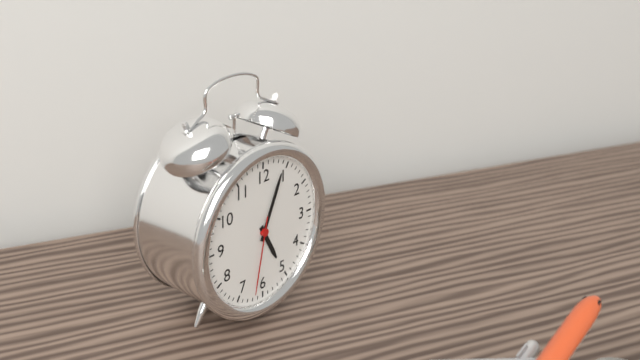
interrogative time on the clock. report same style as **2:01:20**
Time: **5:04:32**
